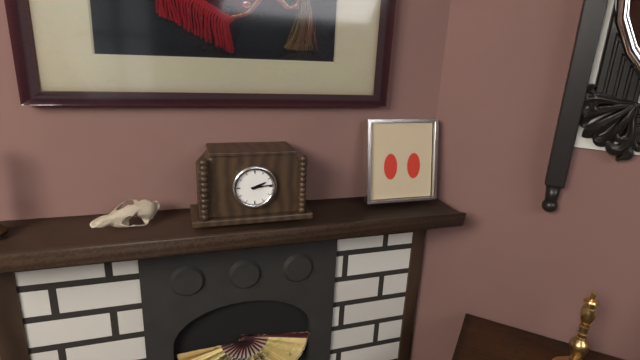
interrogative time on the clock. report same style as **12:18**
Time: **2:14**
